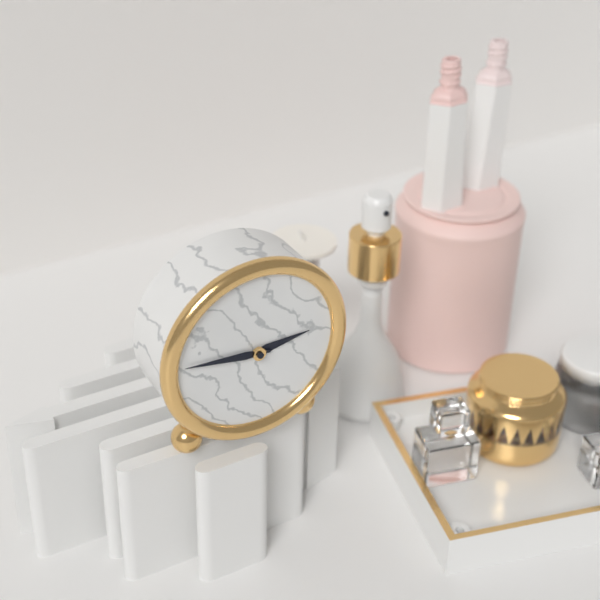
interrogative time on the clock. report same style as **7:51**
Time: **2:46**
